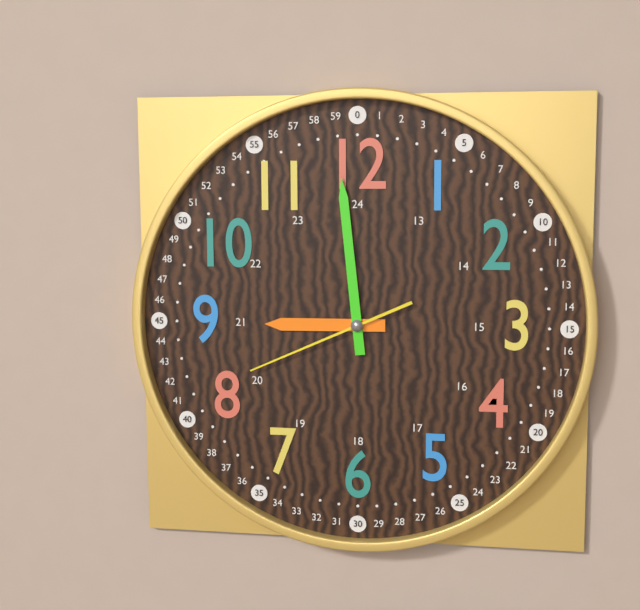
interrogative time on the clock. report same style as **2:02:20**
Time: **8:59:41**
